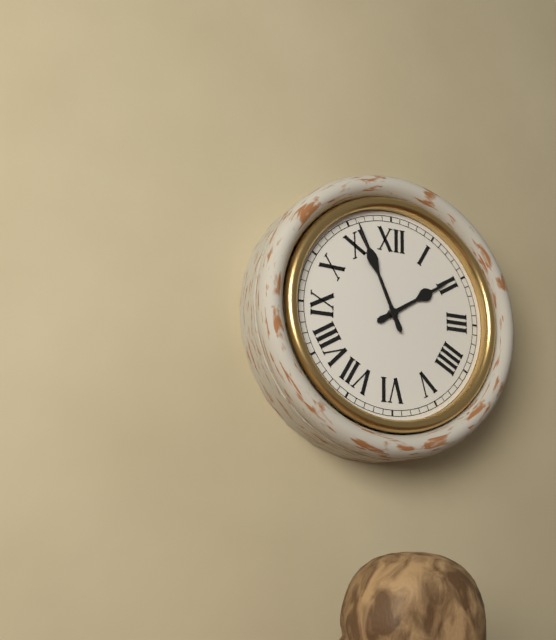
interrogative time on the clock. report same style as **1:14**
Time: **1:56**
